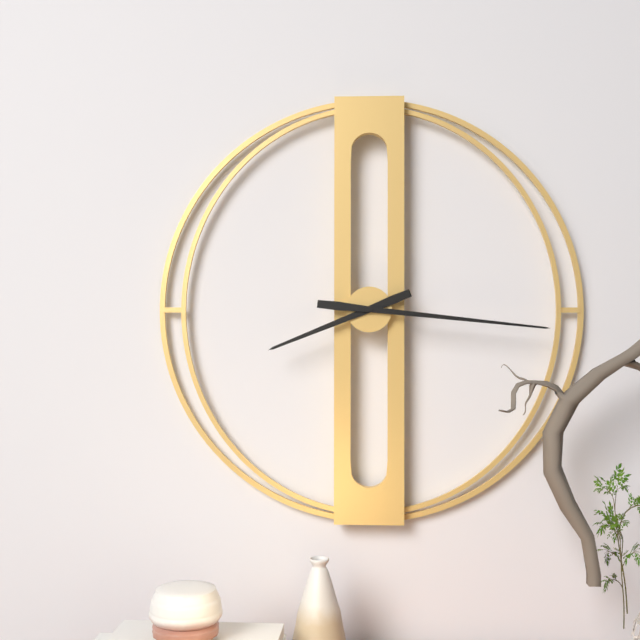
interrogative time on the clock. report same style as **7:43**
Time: **8:16**
